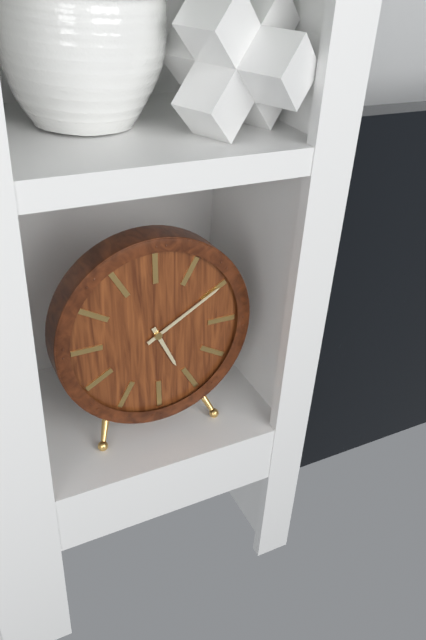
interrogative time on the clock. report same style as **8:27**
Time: **5:10**
